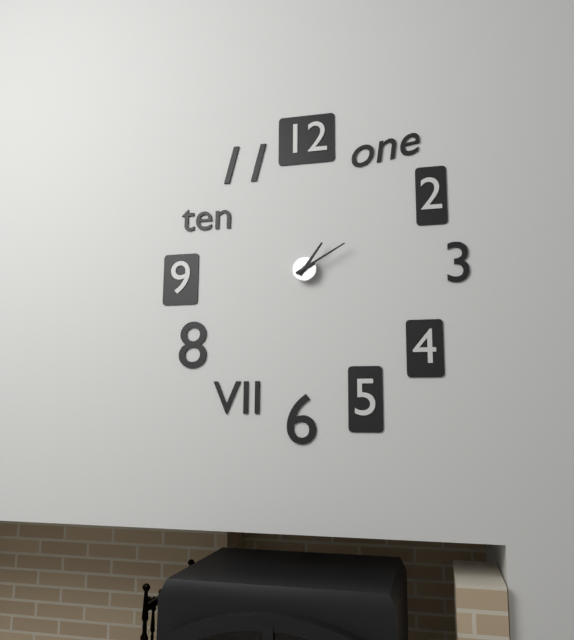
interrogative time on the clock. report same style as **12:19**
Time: **1:10**
